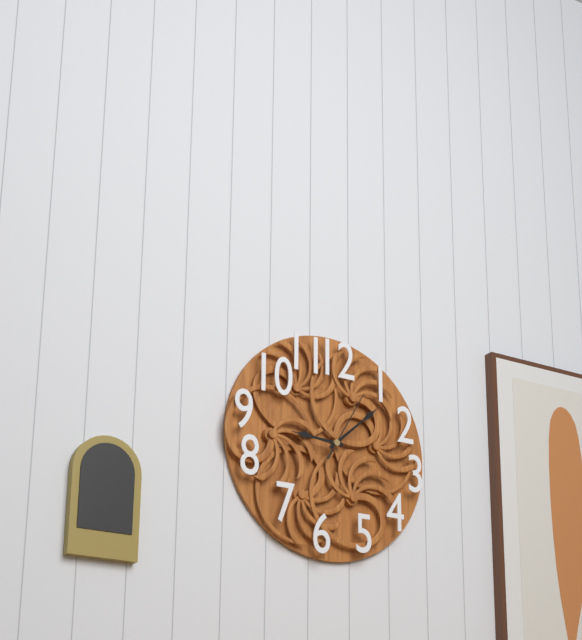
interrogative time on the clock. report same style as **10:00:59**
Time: **9:08:05**
